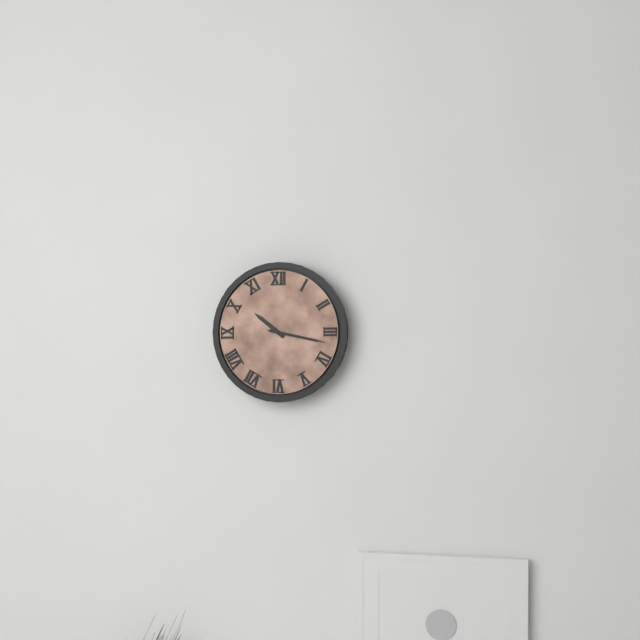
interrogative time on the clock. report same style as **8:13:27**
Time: **10:17:17**
